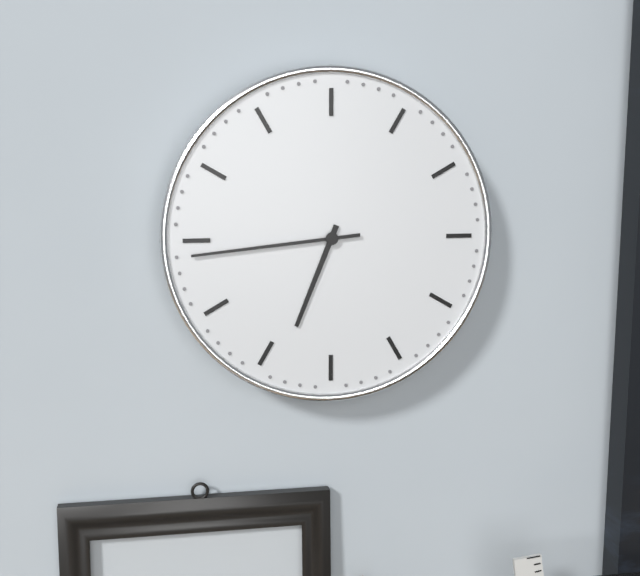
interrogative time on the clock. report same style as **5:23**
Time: **6:44**
